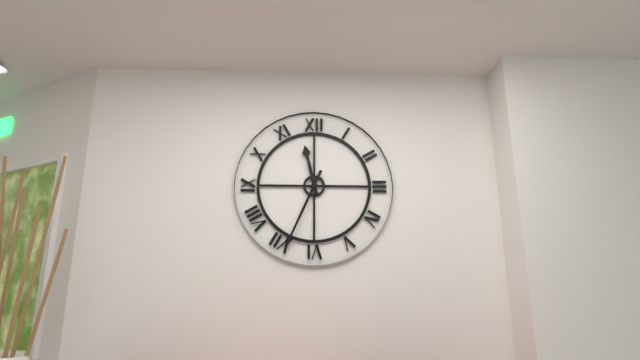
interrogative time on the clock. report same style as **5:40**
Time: **11:34**
